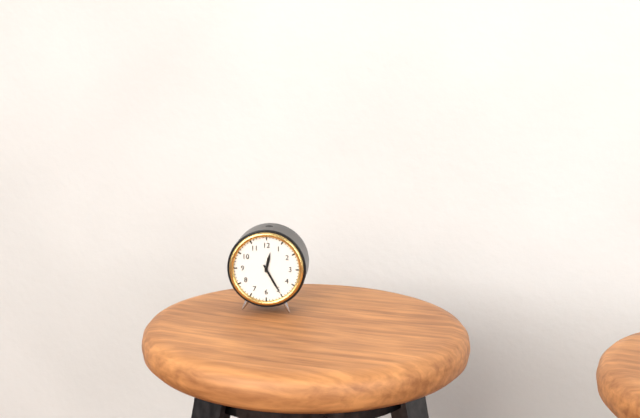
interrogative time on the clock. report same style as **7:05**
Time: **12:25**
